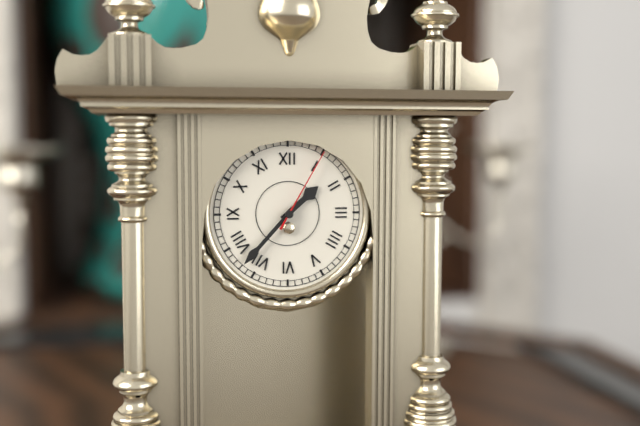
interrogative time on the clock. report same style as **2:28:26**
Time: **1:37:05**
